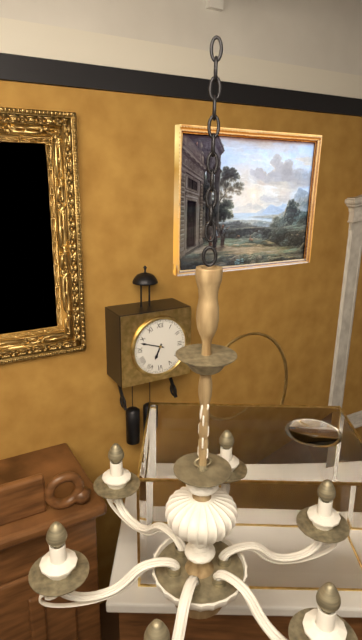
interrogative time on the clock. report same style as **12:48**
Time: **6:48**
